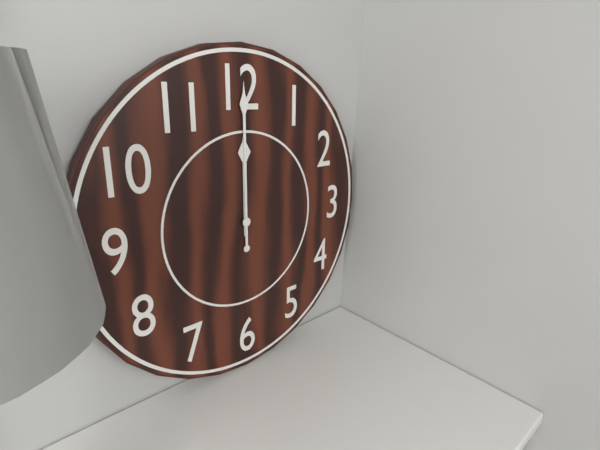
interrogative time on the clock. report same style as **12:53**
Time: **12:00**
